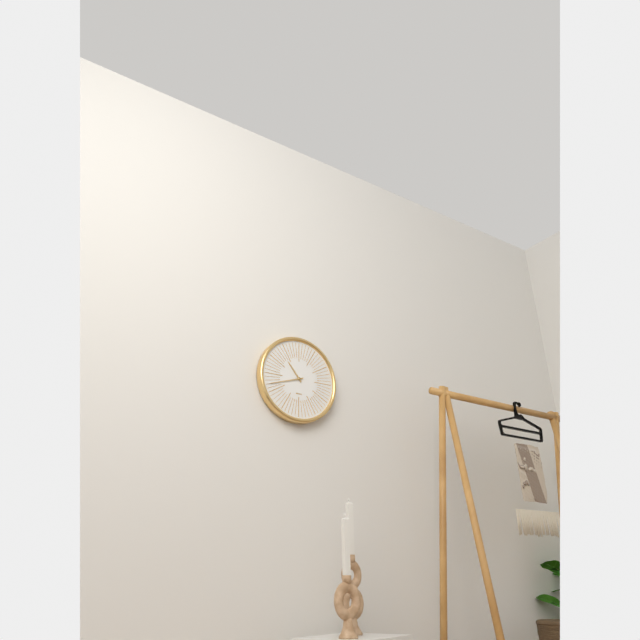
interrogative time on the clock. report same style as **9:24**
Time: **10:42**
